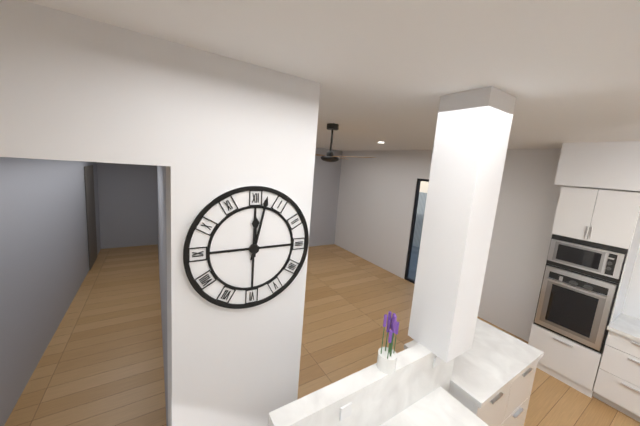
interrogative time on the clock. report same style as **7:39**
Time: **12:02**
